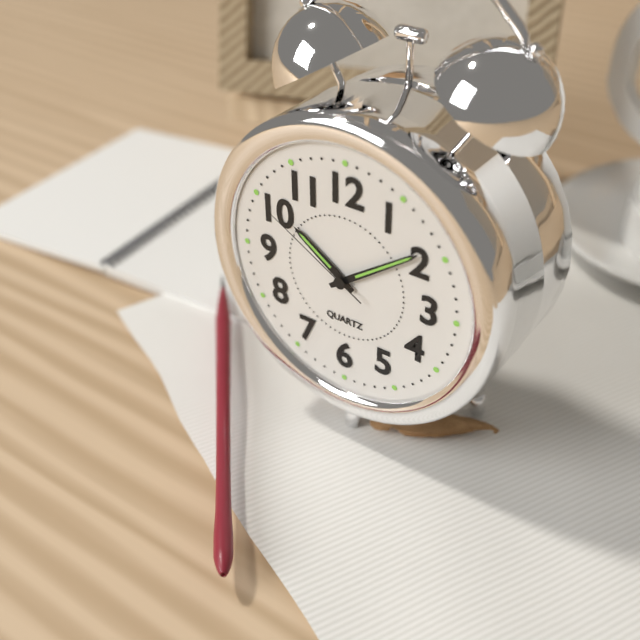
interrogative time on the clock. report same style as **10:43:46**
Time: **10:09:50**
